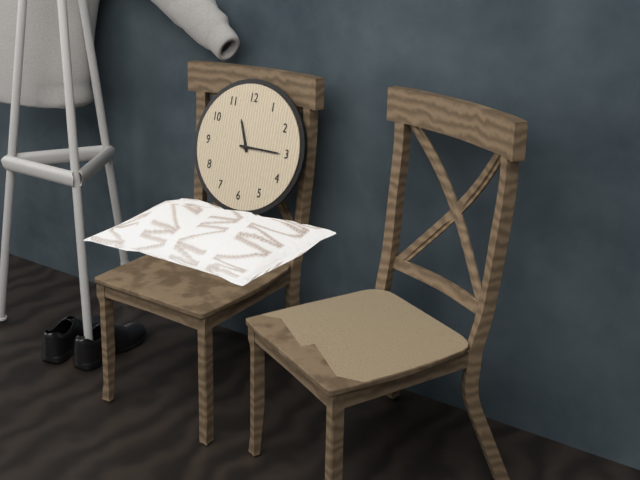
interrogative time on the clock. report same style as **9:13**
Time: **11:15**
